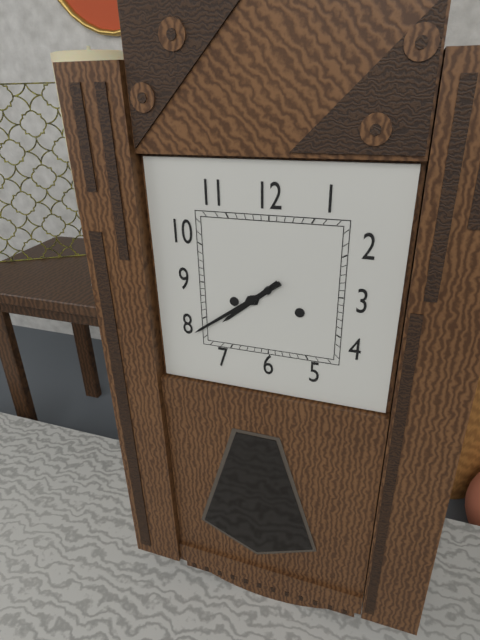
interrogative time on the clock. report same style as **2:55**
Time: **7:39**
